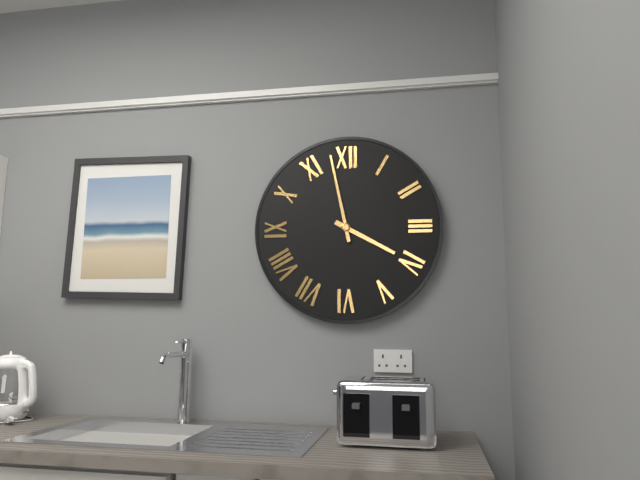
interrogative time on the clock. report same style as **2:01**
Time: **3:58**
